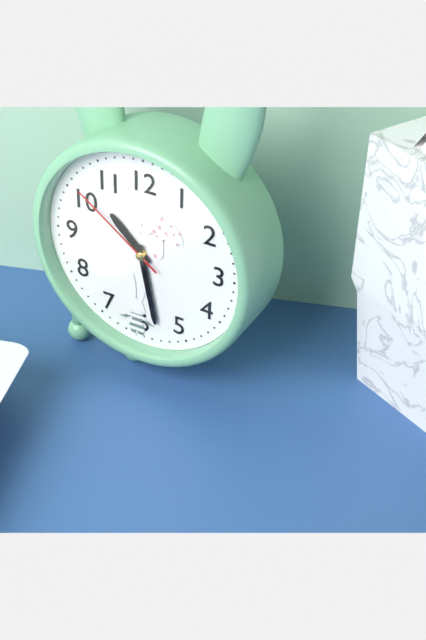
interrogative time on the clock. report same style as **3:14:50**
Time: **10:28:51**
